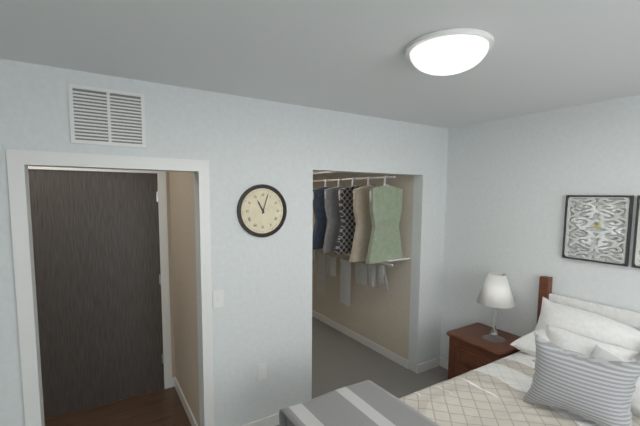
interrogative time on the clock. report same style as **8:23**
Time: **11:03**
